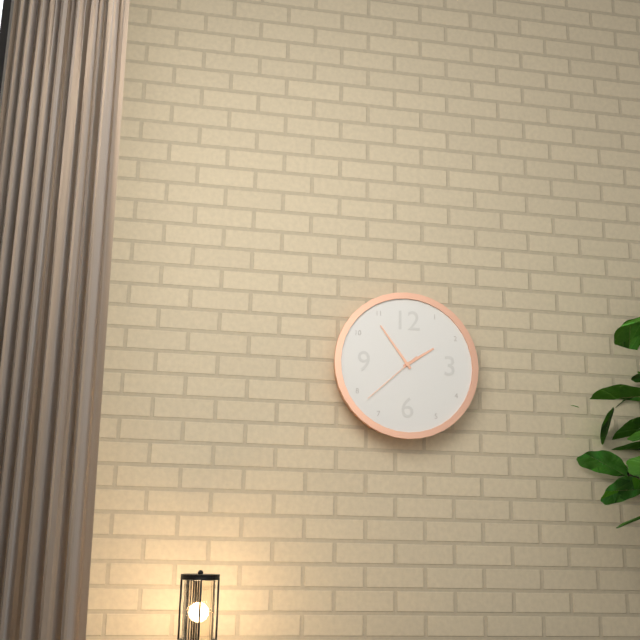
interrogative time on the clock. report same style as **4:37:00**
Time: **1:54:38**
